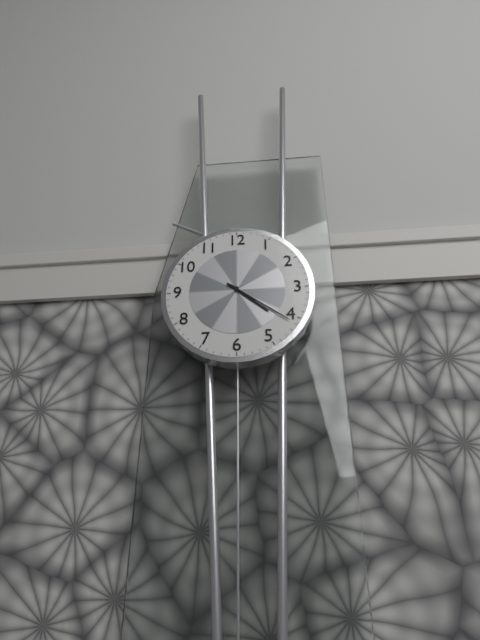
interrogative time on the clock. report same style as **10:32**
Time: **4:21**
